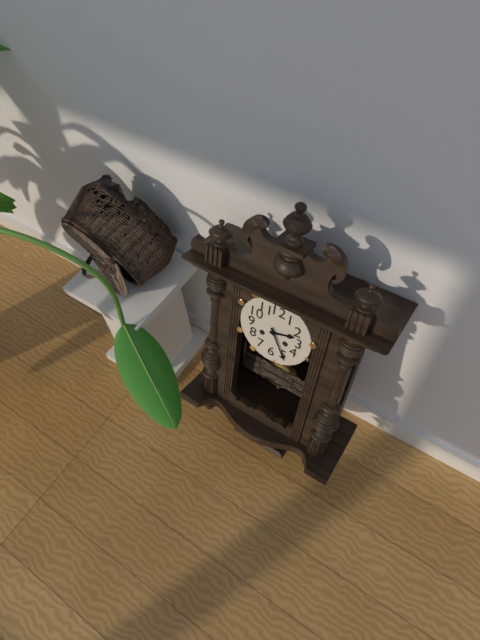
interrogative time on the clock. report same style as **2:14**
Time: **2:25**
